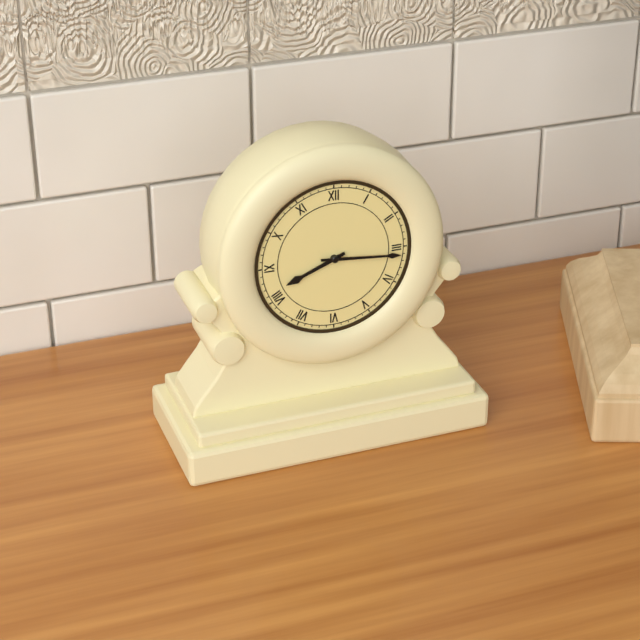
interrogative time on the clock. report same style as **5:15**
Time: **8:16**
